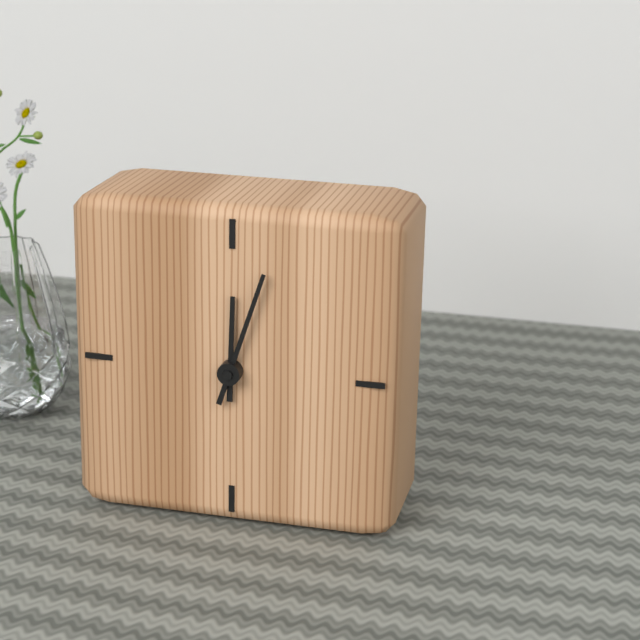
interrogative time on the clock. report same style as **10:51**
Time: **12:03**
